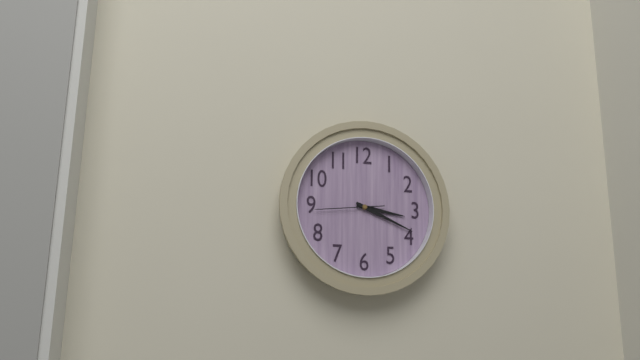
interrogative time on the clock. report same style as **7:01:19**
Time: **3:19:44**
